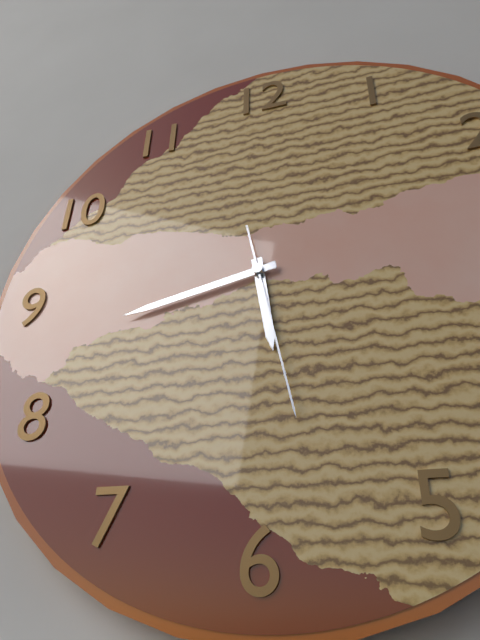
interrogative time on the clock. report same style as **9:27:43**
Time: **5:43:28**
